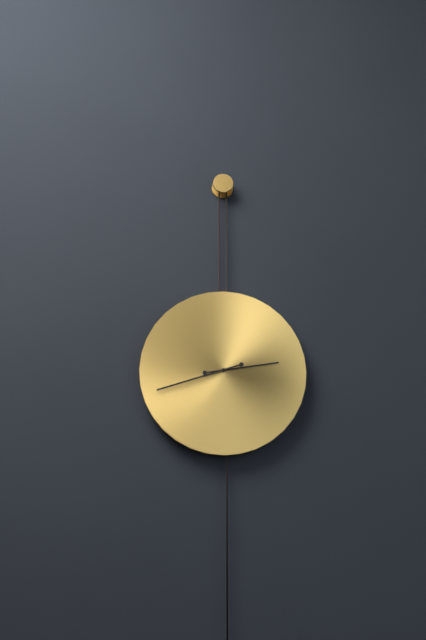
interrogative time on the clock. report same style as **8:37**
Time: **2:42**
